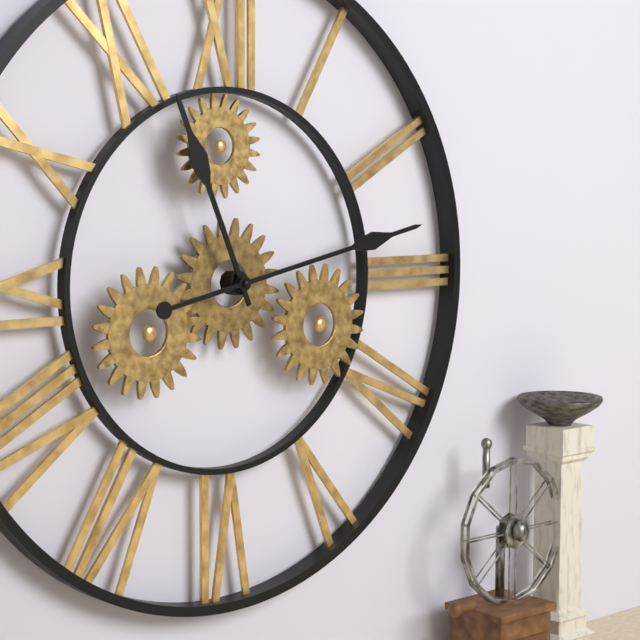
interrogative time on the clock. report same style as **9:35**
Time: **11:13**
